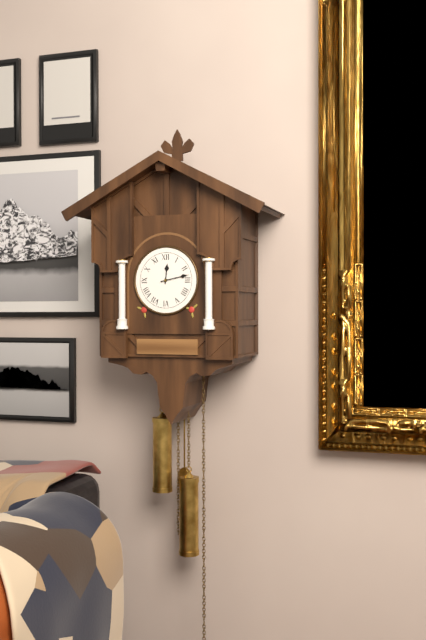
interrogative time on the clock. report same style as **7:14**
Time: **12:13**
